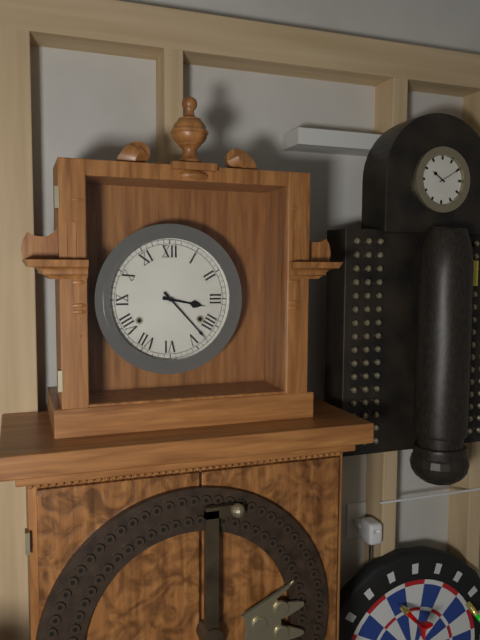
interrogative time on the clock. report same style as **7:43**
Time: **3:23**
